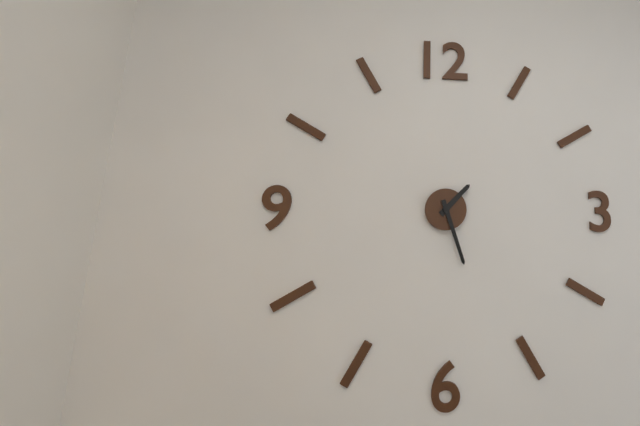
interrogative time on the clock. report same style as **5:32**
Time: **1:27**
